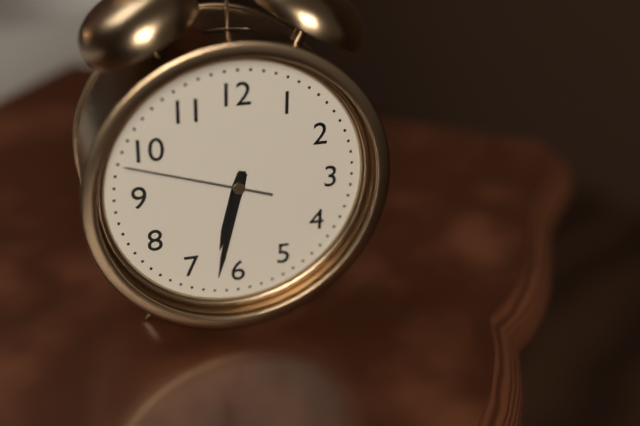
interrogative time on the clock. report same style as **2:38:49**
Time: **6:32:48**
